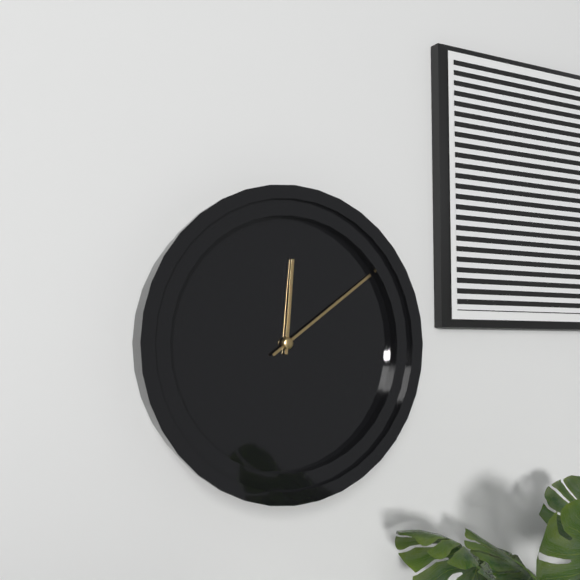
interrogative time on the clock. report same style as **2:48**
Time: **12:09**
